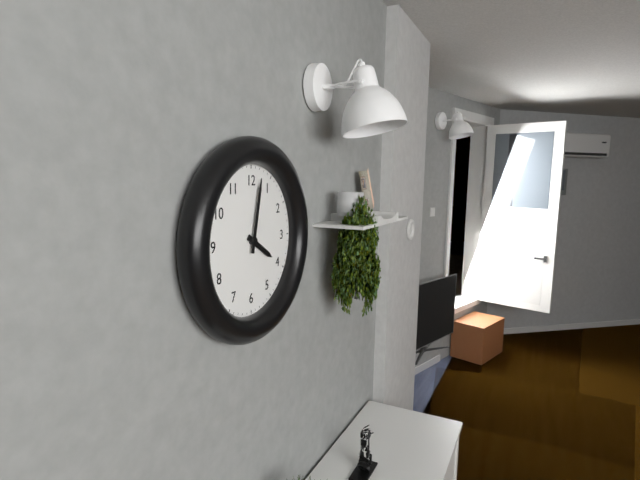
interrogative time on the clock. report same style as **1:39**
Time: **4:02**
